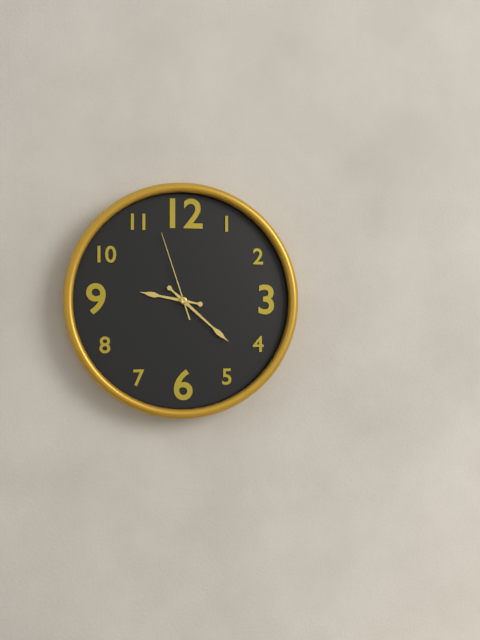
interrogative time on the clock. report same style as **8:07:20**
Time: **9:22:57**
